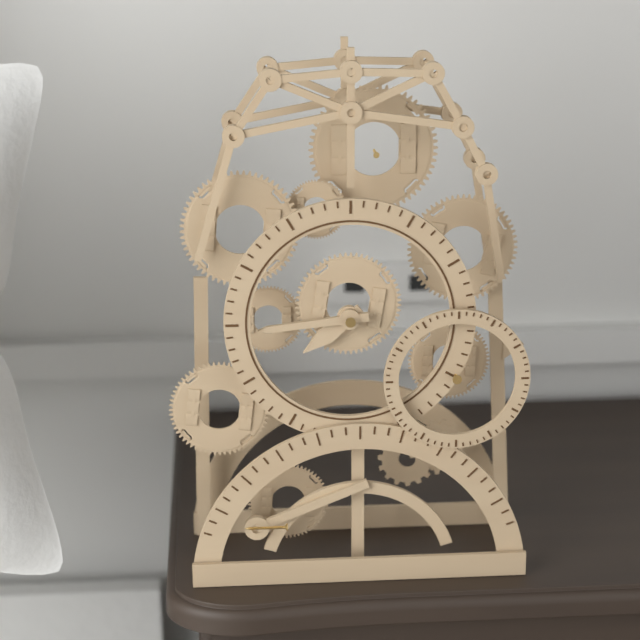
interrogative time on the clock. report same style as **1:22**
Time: **7:44**
